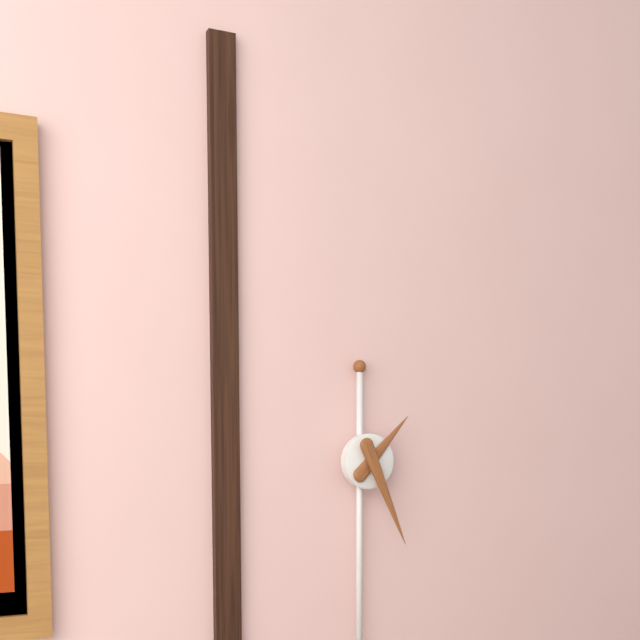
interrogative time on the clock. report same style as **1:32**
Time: **1:26**
